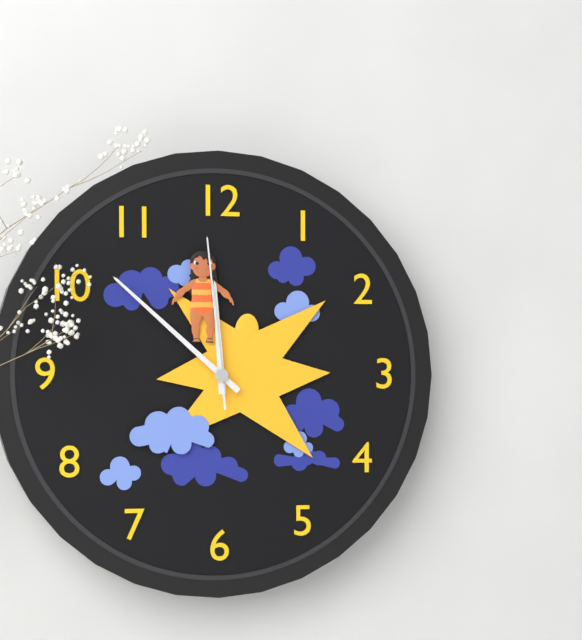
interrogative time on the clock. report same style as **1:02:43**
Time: **11:52:59**
